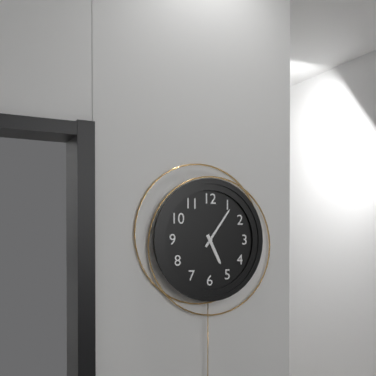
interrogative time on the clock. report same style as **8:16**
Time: **5:06**
